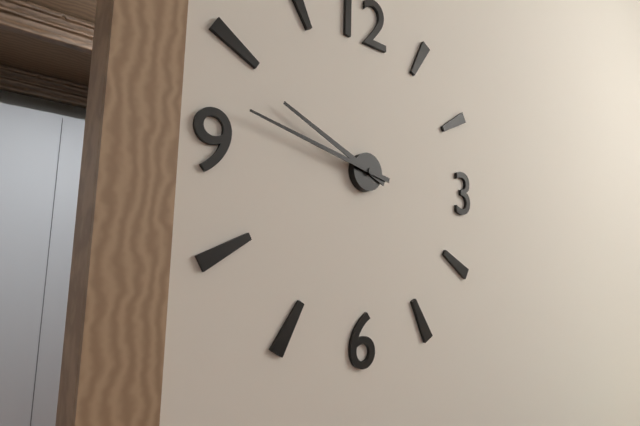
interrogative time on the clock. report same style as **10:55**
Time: **9:47**
